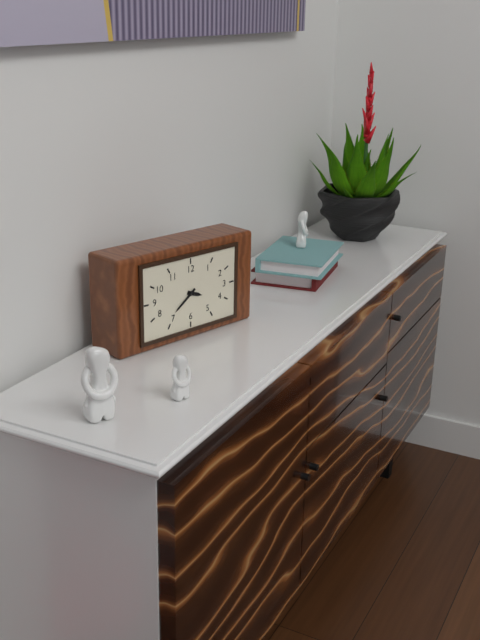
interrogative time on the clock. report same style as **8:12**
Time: **3:39**
